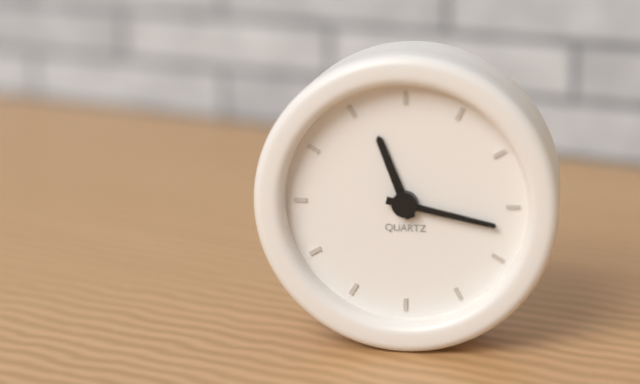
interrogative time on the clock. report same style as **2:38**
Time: **11:17**
